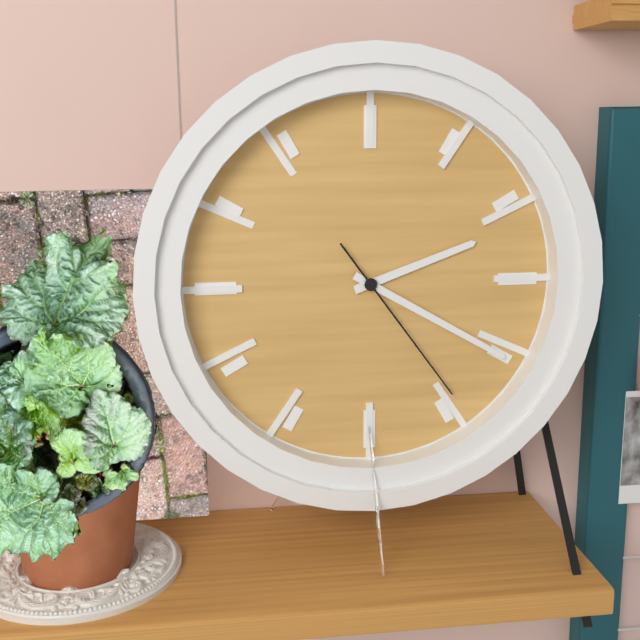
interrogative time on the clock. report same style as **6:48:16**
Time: **2:20:24**
